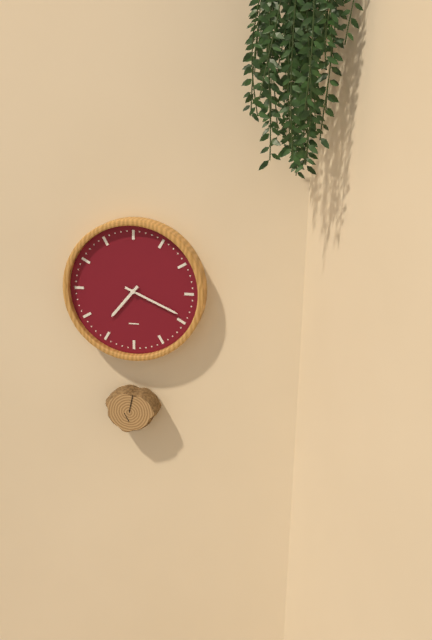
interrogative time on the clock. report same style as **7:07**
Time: **7:19**
